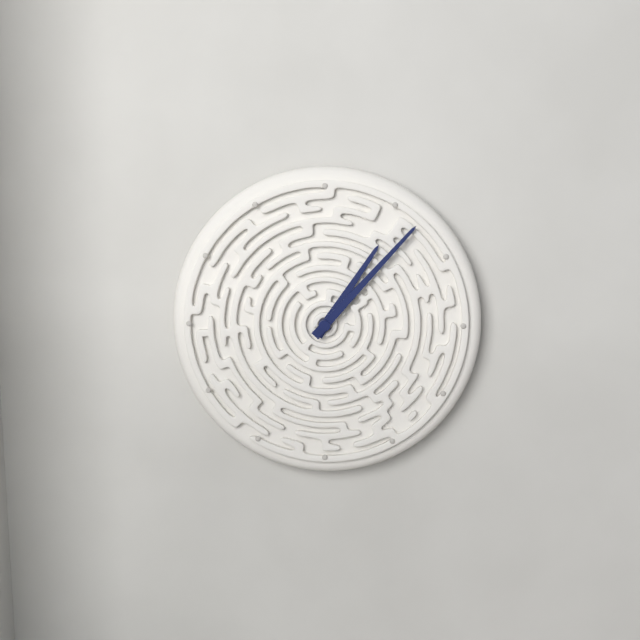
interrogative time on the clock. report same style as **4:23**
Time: **1:07**
